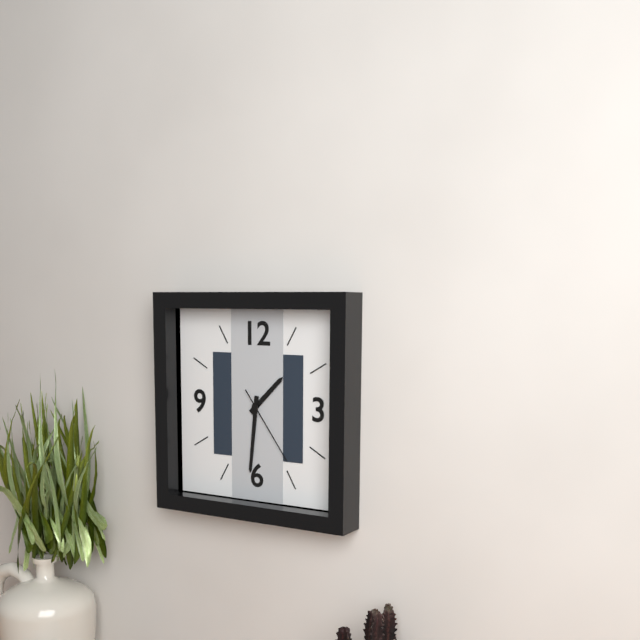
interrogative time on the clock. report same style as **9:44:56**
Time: **1:31:24**
